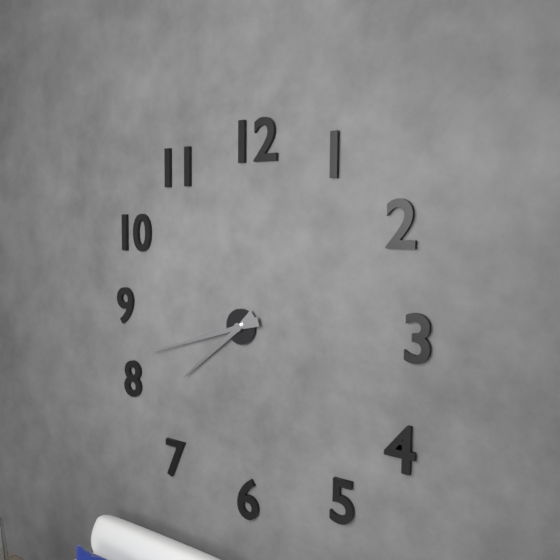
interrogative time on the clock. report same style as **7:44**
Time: **7:42**
